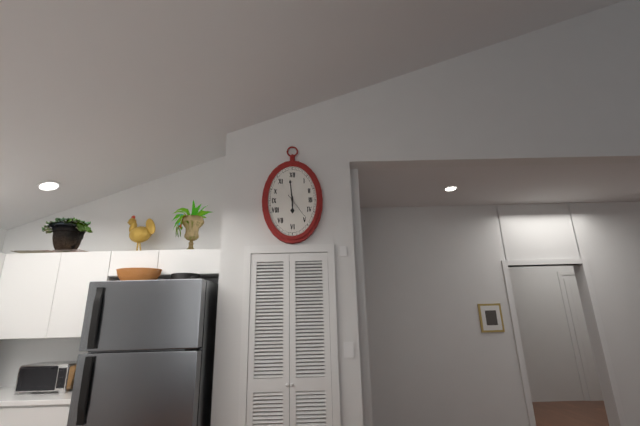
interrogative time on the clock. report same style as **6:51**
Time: **5:59**
